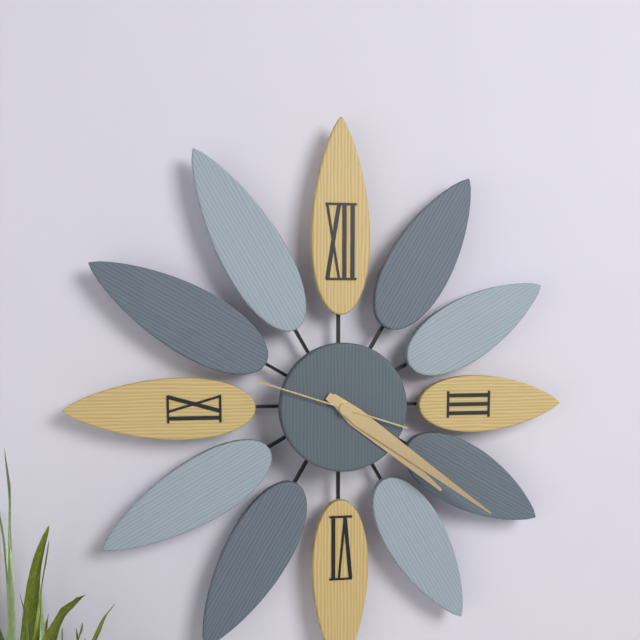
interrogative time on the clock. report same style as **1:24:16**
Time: **4:21:48**
